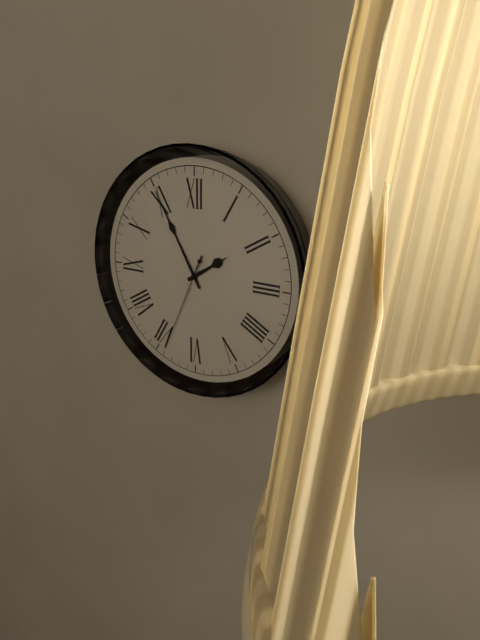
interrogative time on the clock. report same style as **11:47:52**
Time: **1:55:34**
